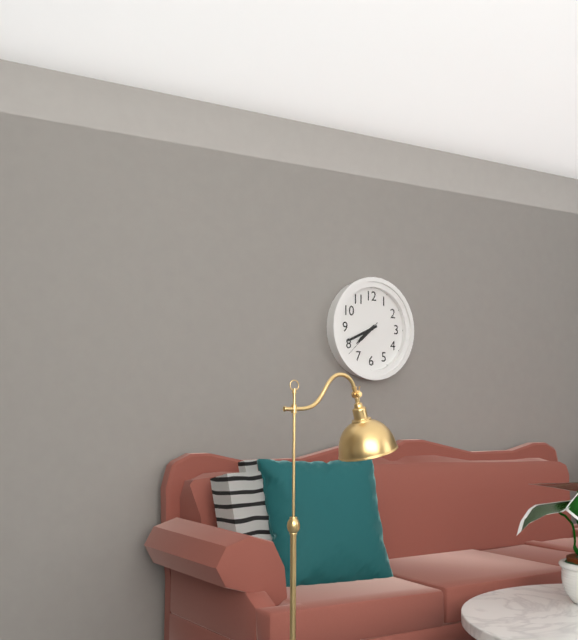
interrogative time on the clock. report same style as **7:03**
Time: **7:41**
